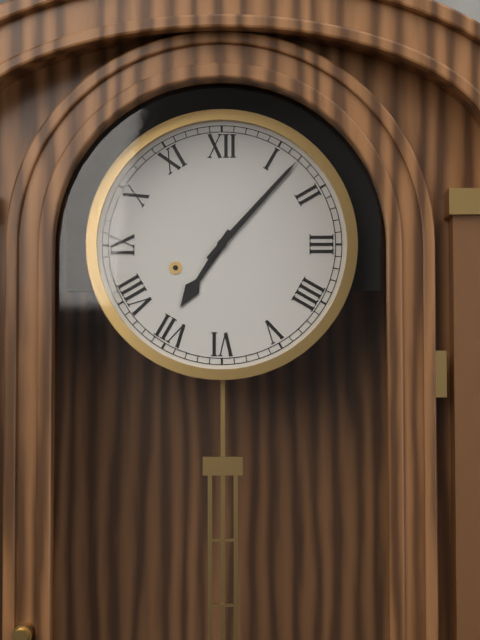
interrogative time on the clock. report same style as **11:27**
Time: **7:07**
